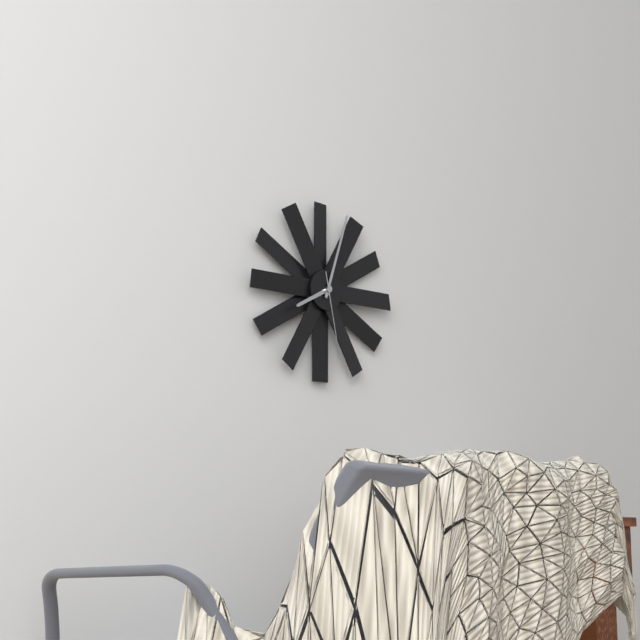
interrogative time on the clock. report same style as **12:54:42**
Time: **8:03:28**
